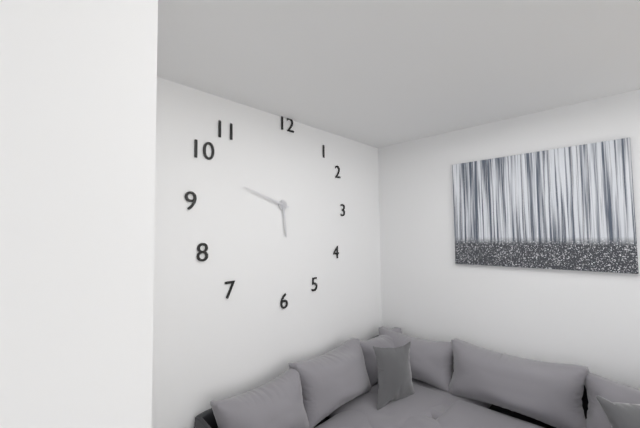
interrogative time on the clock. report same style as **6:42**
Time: **5:48**
